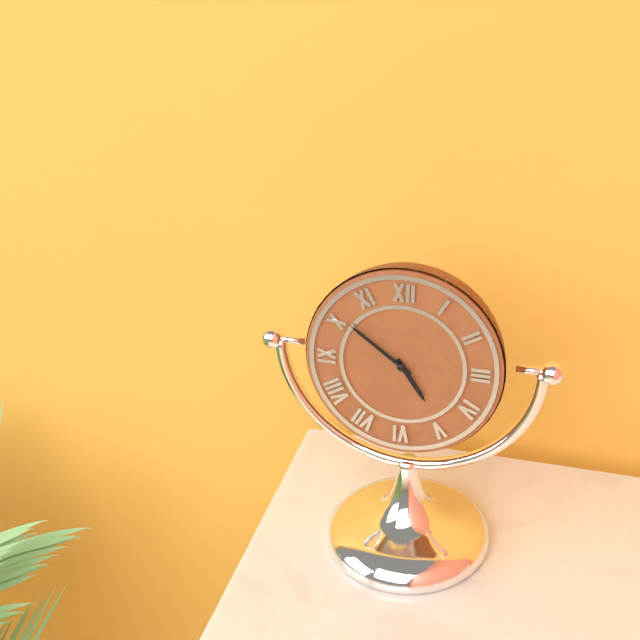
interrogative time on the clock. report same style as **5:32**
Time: **4:51**
